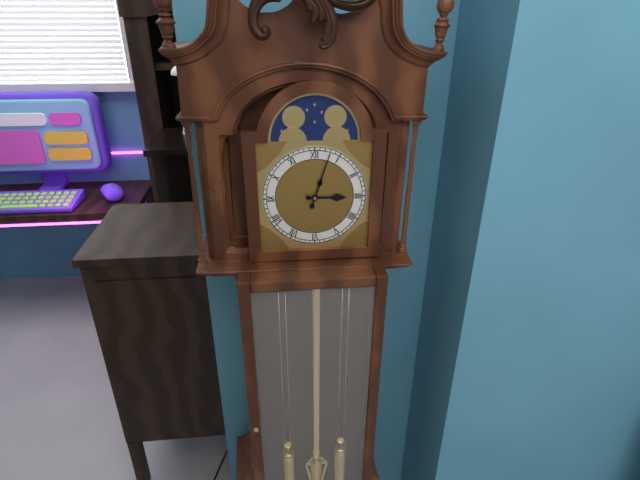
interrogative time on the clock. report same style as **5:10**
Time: **3:03**
